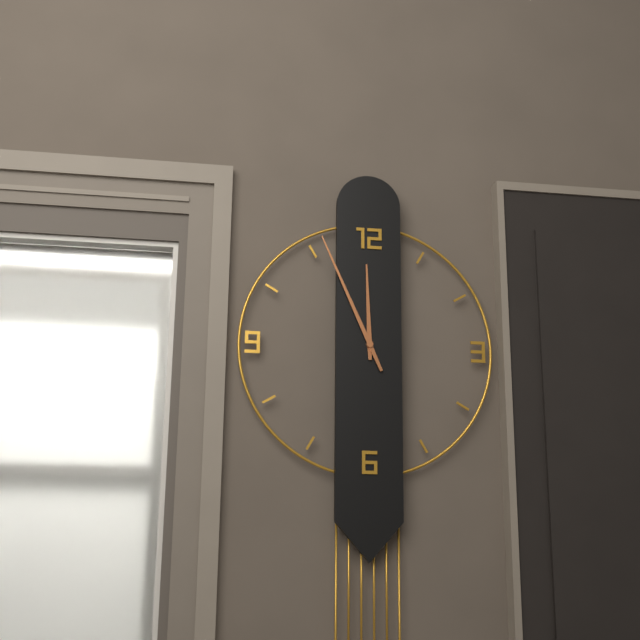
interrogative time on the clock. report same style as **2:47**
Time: **11:56**
